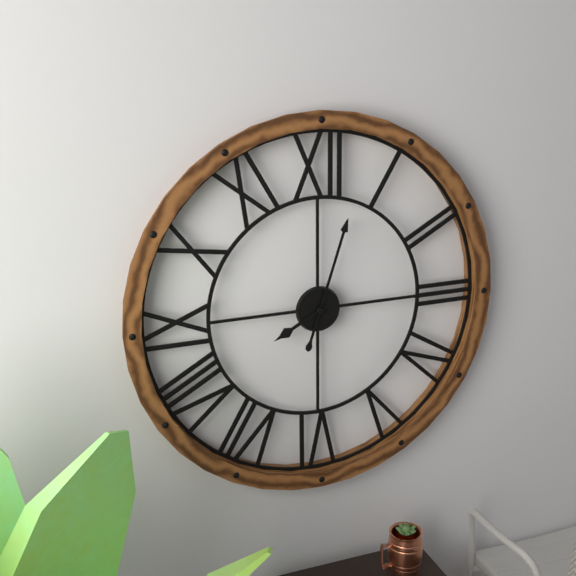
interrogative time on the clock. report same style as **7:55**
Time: **8:03**
